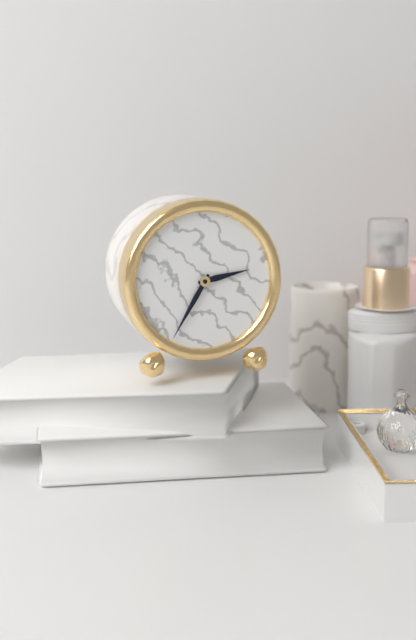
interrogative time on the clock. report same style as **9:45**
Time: **2:35**
